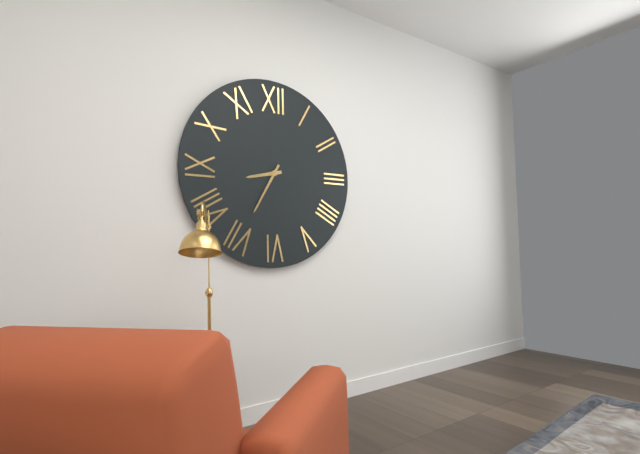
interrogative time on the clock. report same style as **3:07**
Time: **8:35**
